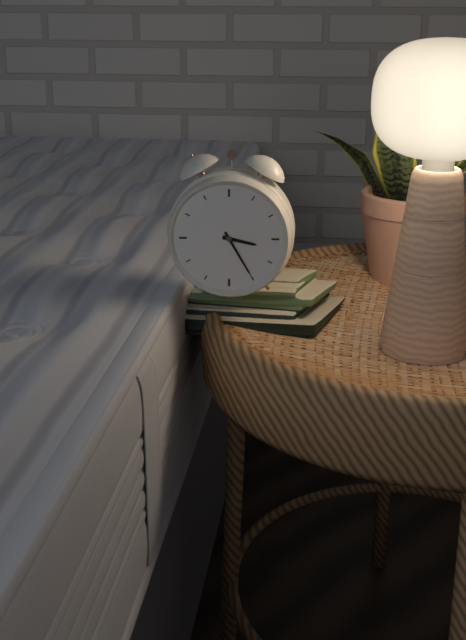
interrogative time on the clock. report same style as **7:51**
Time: **3:25**
